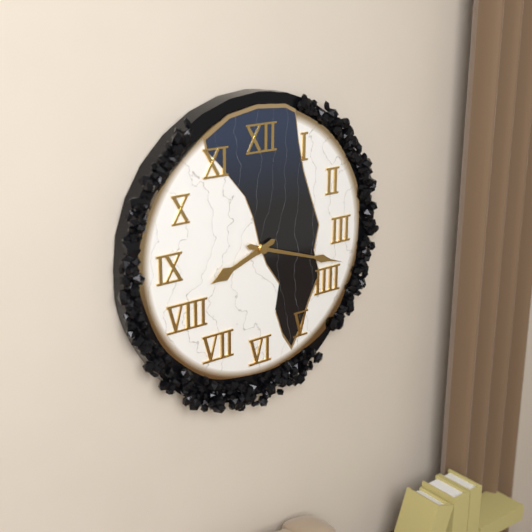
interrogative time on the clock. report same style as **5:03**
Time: **8:18**
